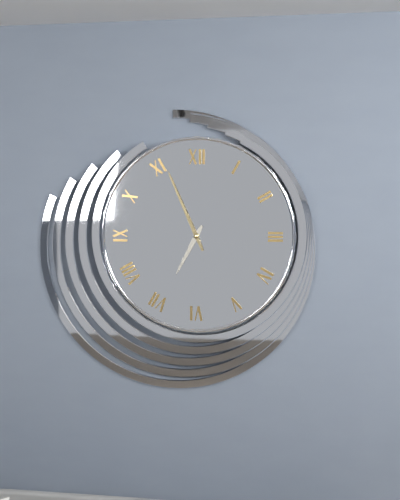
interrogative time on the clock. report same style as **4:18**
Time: **6:56**
